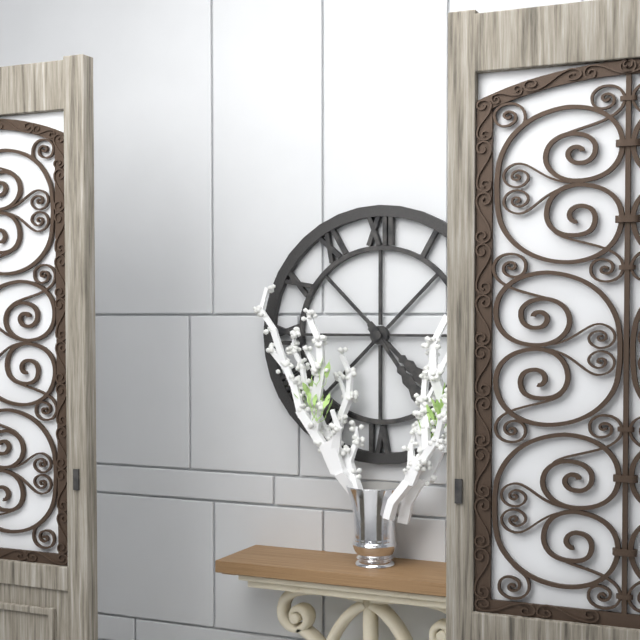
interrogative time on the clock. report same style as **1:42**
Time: **4:24**
